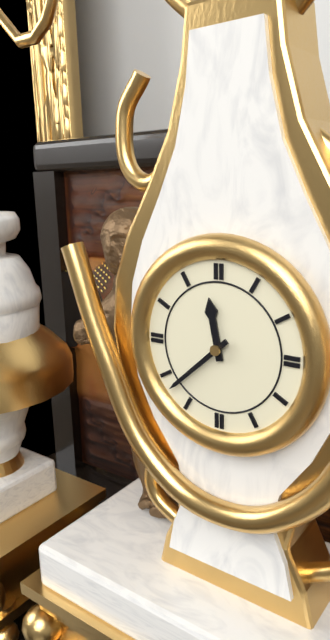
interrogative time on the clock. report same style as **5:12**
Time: **11:38**
